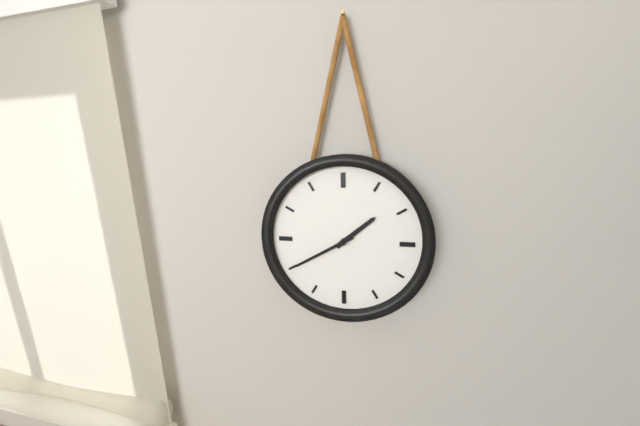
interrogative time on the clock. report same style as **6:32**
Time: **1:40**
